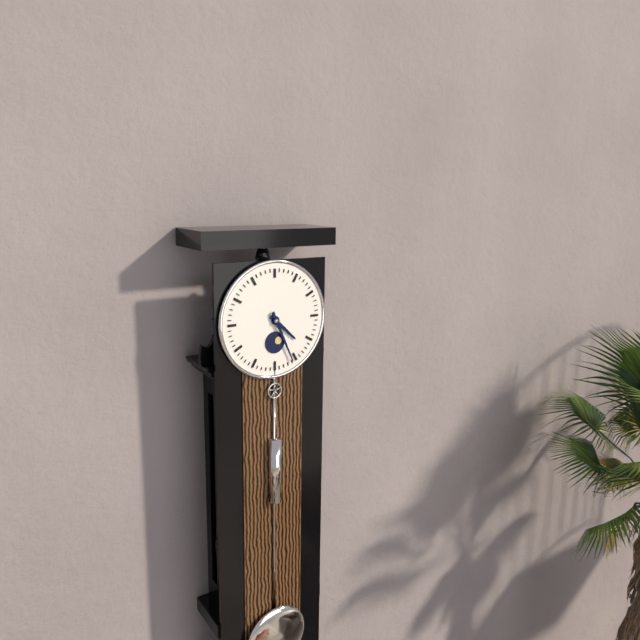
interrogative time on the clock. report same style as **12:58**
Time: **4:26**
